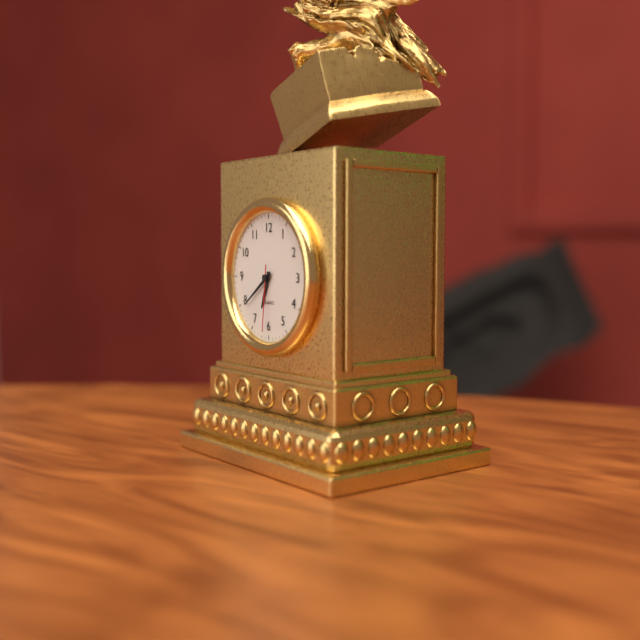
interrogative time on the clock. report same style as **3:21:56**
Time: **6:39:31**
